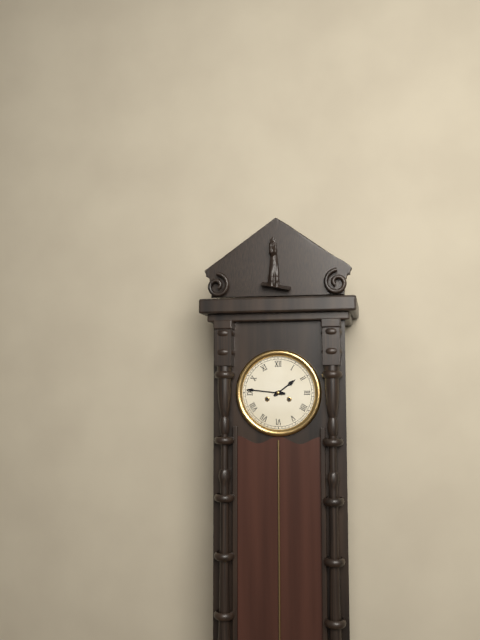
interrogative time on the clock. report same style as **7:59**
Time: **1:46**
